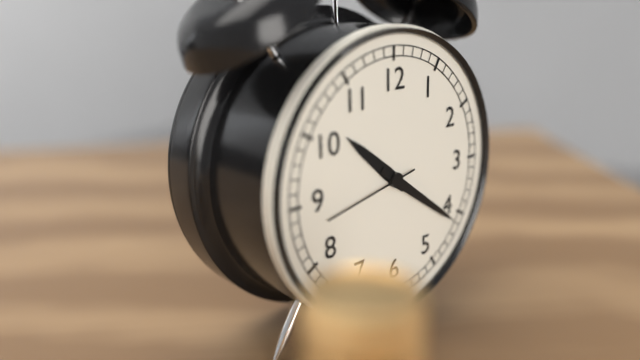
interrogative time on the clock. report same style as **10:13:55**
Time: **10:21:43**
